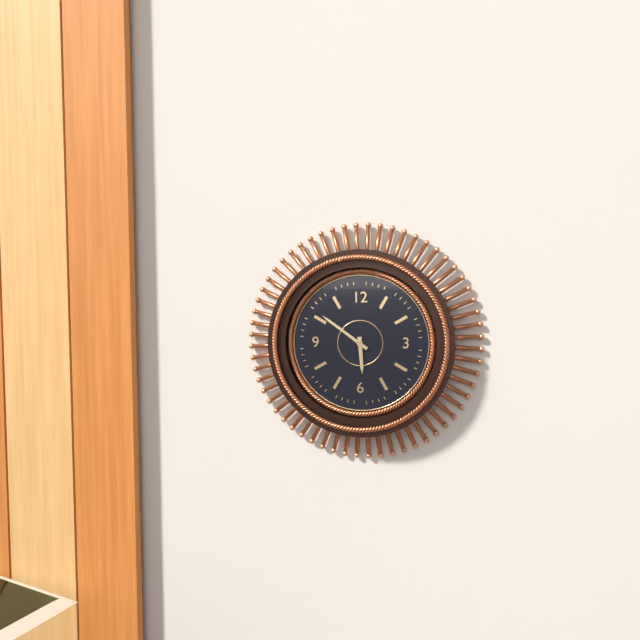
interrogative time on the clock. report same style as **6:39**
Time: **5:51**
